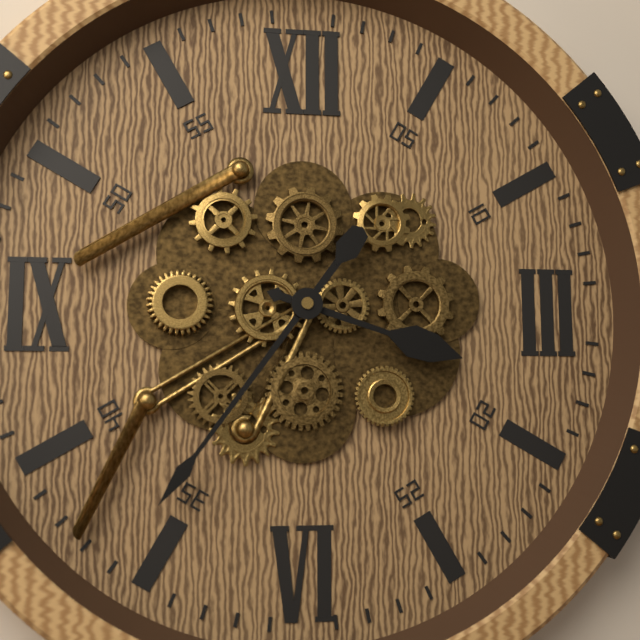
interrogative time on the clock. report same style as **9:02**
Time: **3:36**
